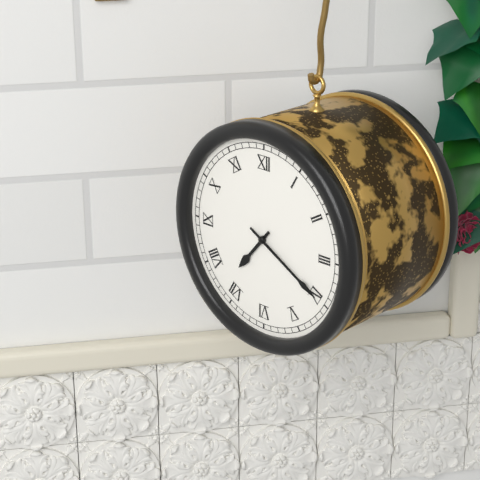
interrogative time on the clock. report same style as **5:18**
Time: **7:20**
